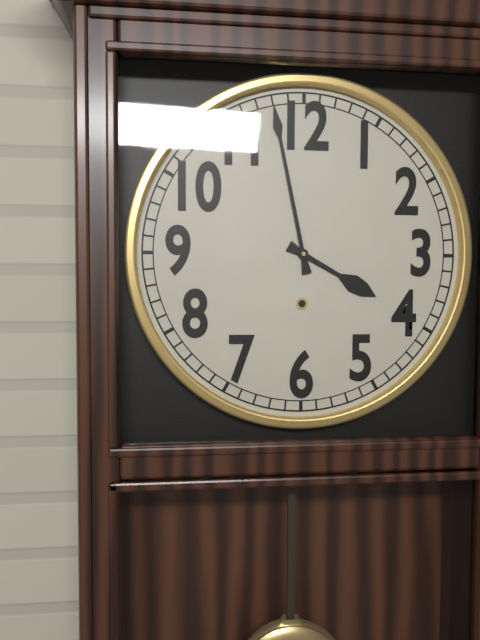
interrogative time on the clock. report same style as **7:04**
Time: **3:58**
